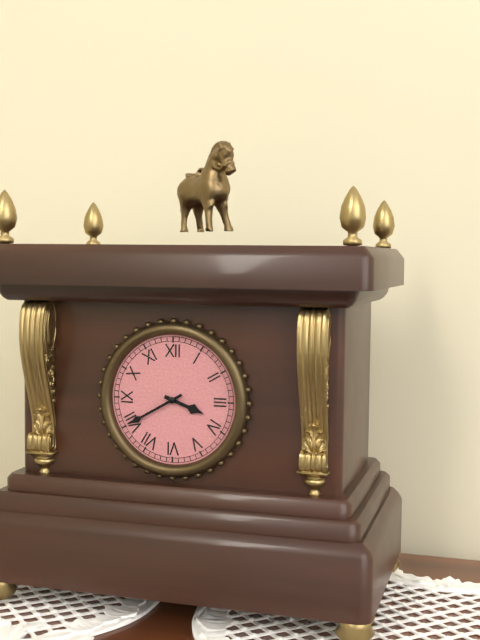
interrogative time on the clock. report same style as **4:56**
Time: **3:40**
